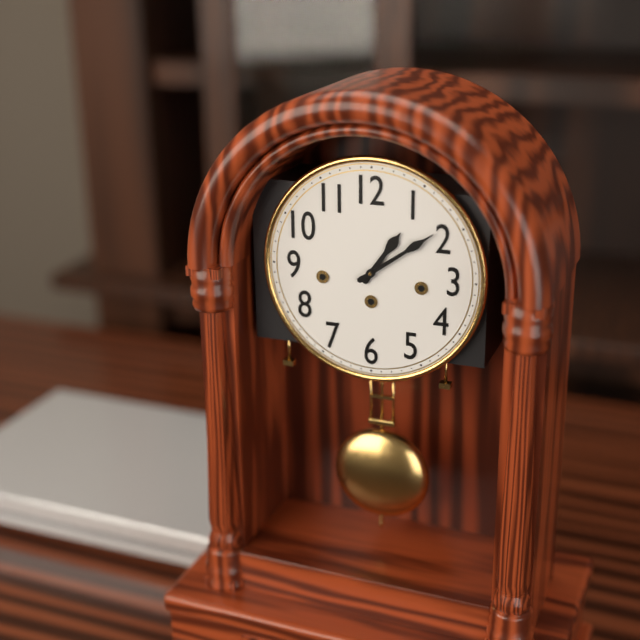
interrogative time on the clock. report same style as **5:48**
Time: **1:09**
